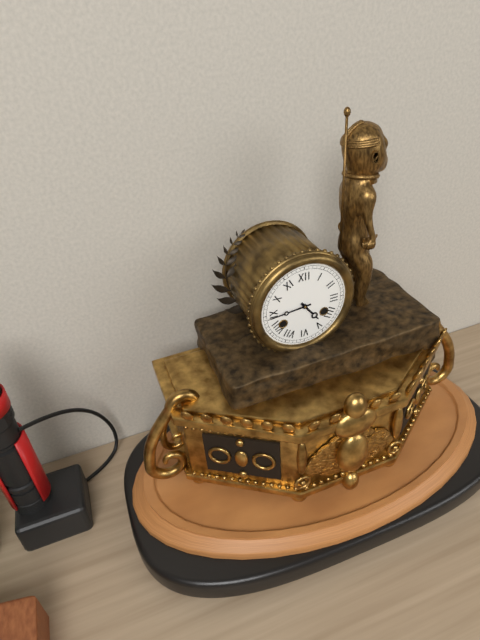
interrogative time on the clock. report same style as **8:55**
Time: **4:44**
